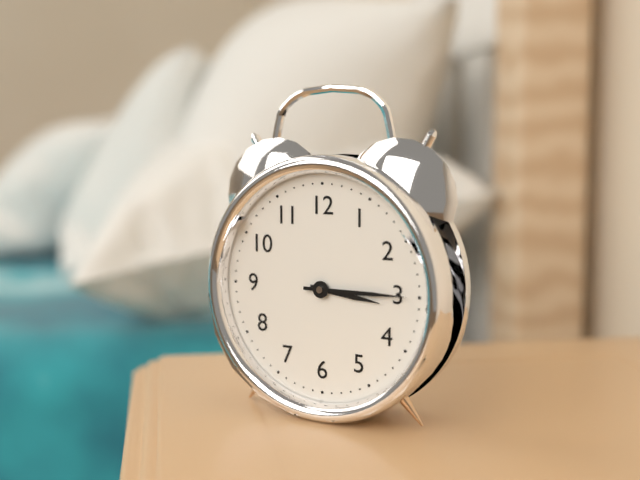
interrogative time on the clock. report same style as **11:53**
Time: **3:15**
